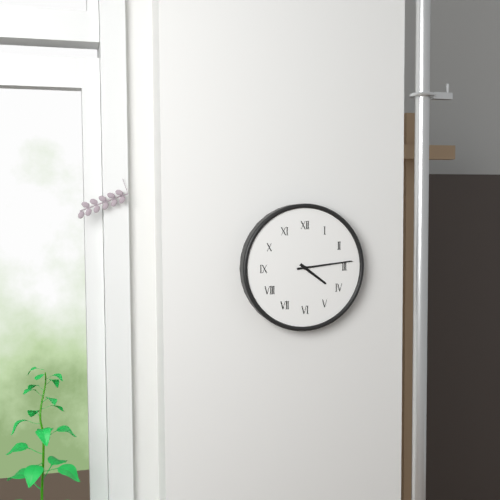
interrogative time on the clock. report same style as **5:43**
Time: **4:14**
